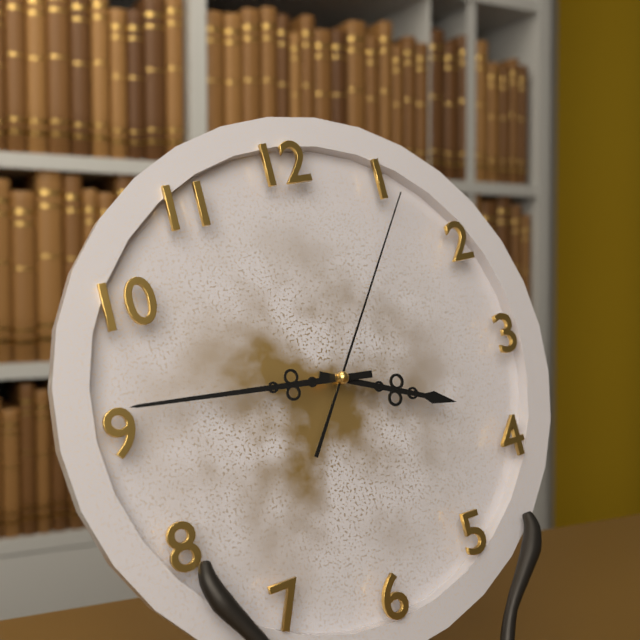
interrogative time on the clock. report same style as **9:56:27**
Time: **3:46:06**
